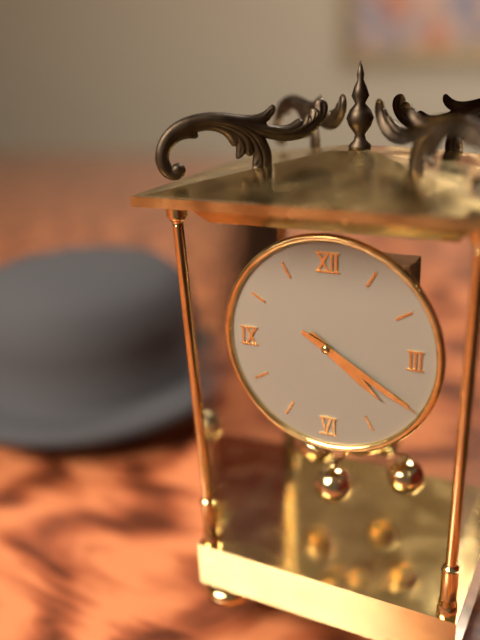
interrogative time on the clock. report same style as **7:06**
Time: **4:20**
